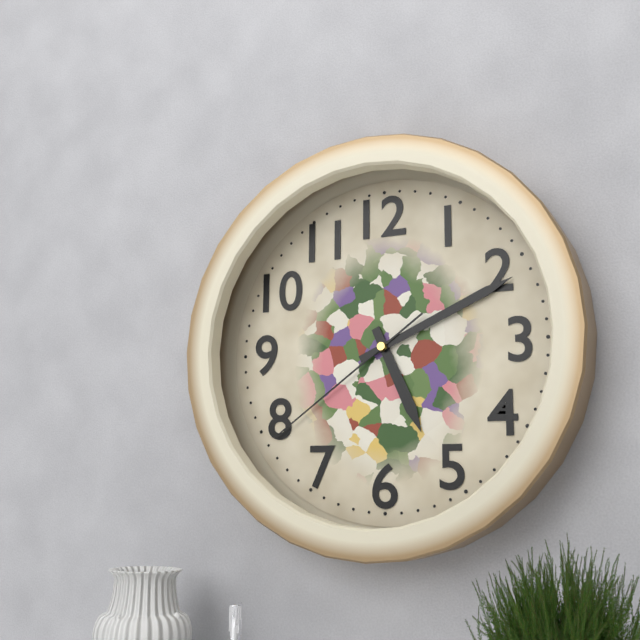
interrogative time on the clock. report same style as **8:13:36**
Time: **5:11:39**
